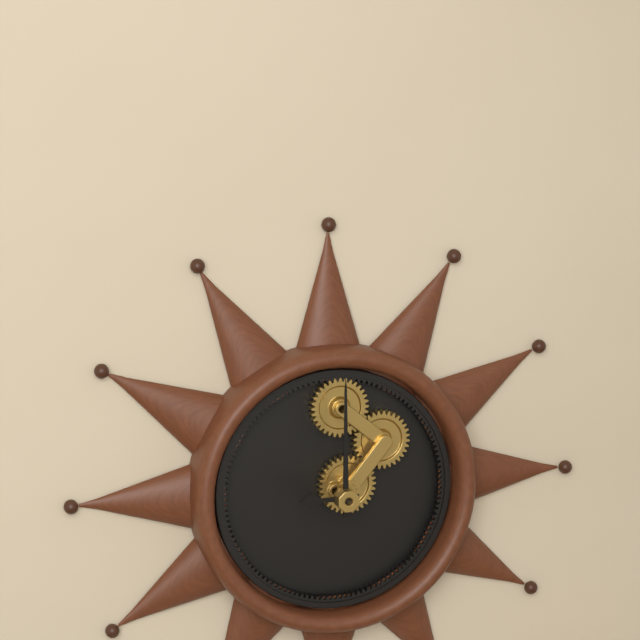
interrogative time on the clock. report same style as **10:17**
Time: **9:00**
